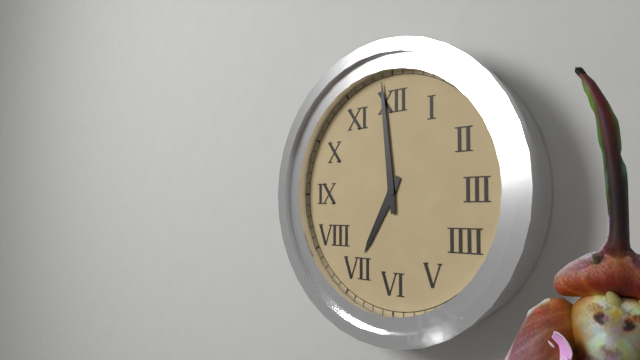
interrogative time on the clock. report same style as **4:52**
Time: **6:59**
